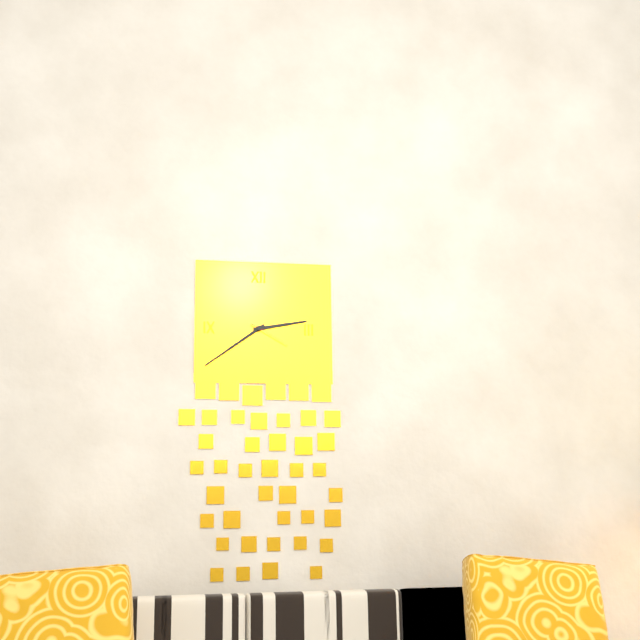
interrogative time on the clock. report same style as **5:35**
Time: **2:39**
